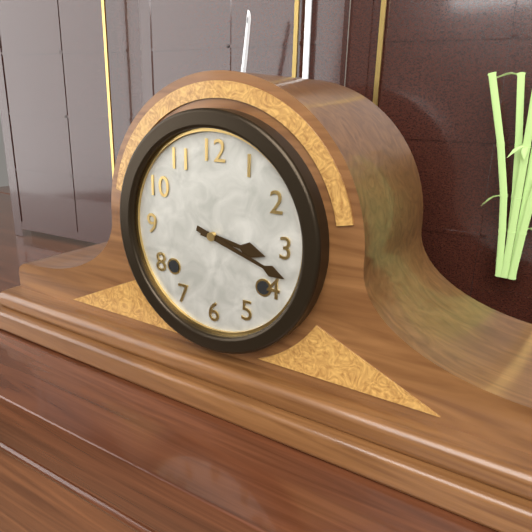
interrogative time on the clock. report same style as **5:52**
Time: **3:18**
